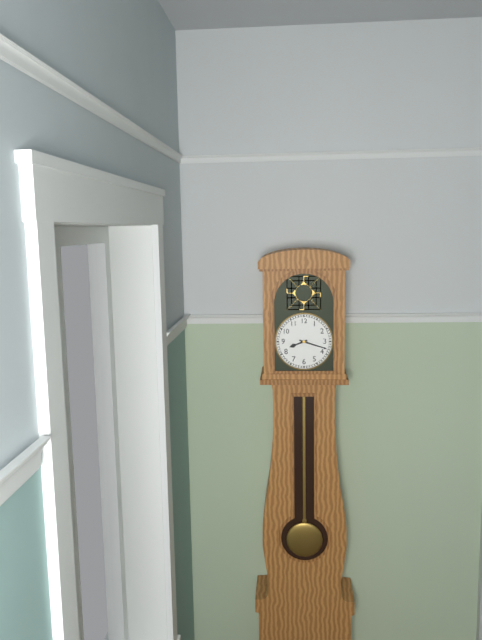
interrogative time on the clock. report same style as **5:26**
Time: **8:18**
